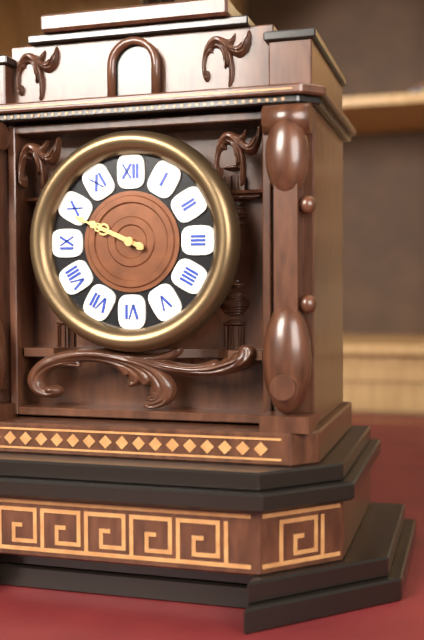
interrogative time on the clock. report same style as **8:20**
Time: **9:49**
